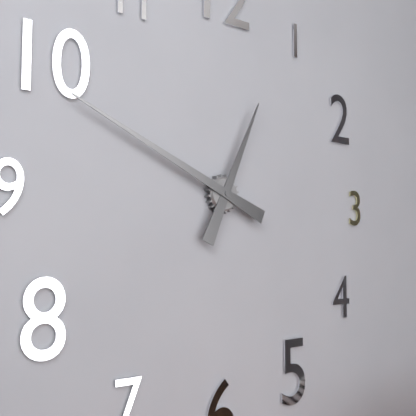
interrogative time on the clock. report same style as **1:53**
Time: **12:49**
